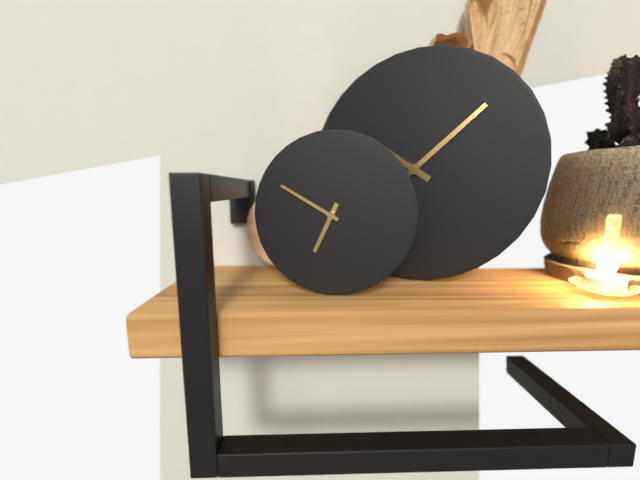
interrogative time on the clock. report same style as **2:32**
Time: **6:50**
